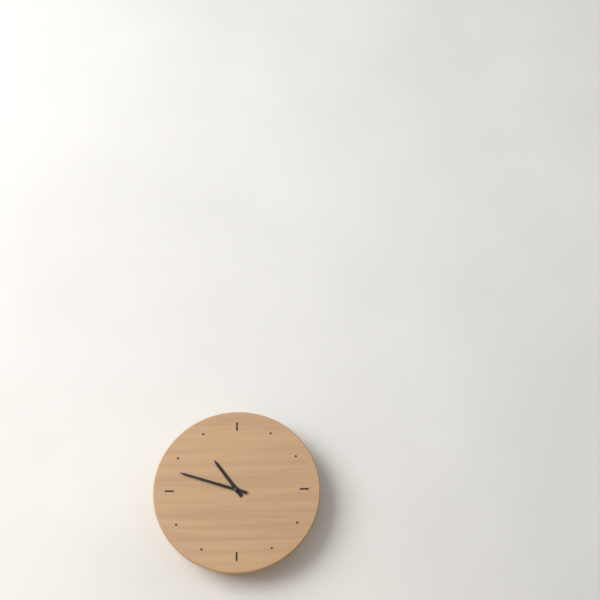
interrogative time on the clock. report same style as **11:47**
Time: **10:48**
